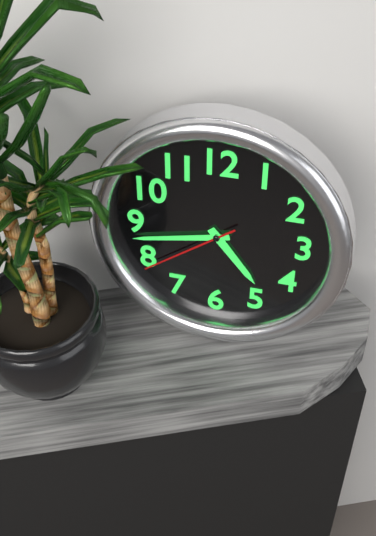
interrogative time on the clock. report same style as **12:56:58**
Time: **4:43:39**
